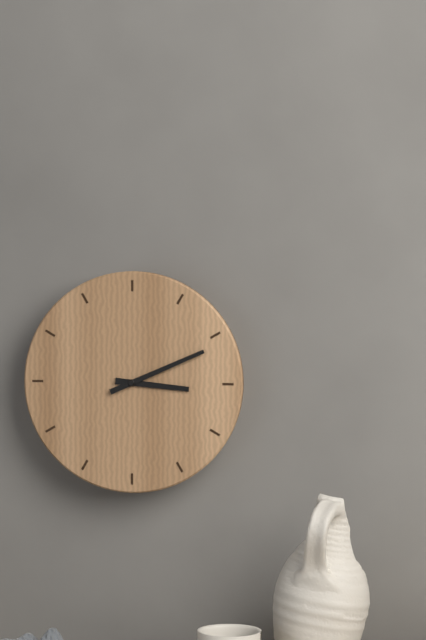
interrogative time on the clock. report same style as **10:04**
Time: **3:11**
